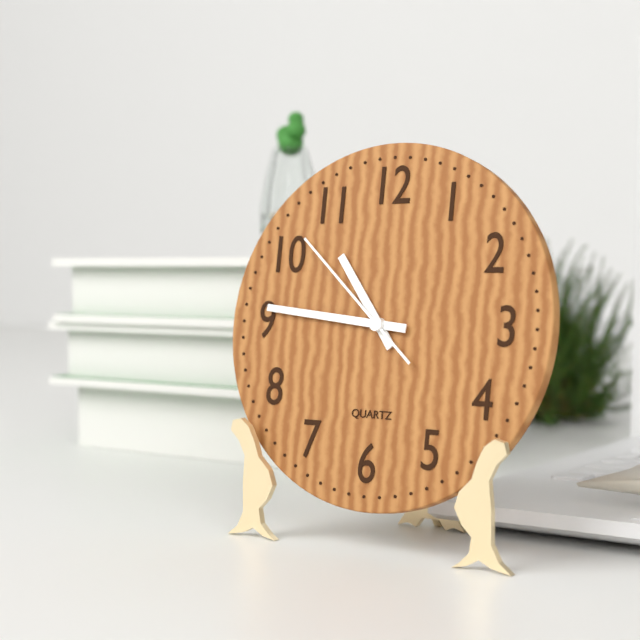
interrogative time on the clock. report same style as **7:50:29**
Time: **10:46:52**
